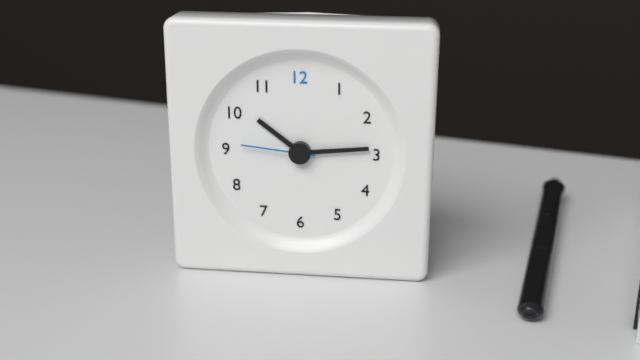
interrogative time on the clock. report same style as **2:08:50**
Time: **10:14:46**
